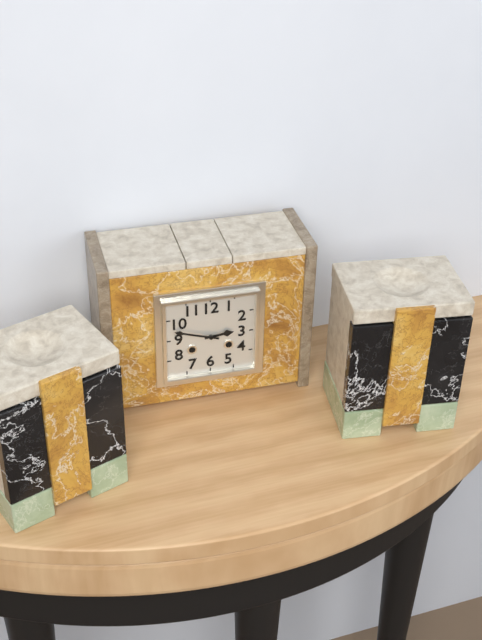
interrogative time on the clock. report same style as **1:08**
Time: **2:48**
